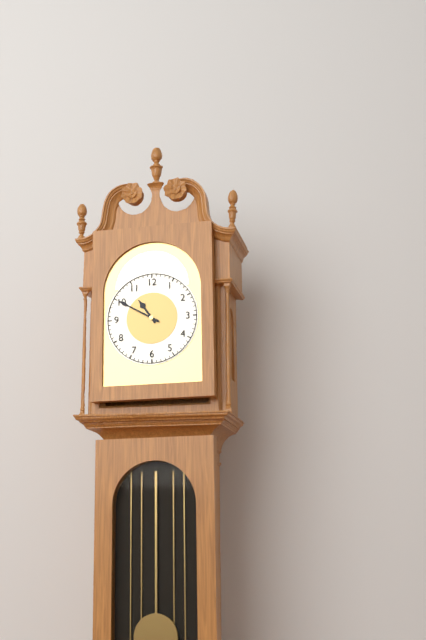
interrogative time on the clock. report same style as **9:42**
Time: **10:50**
